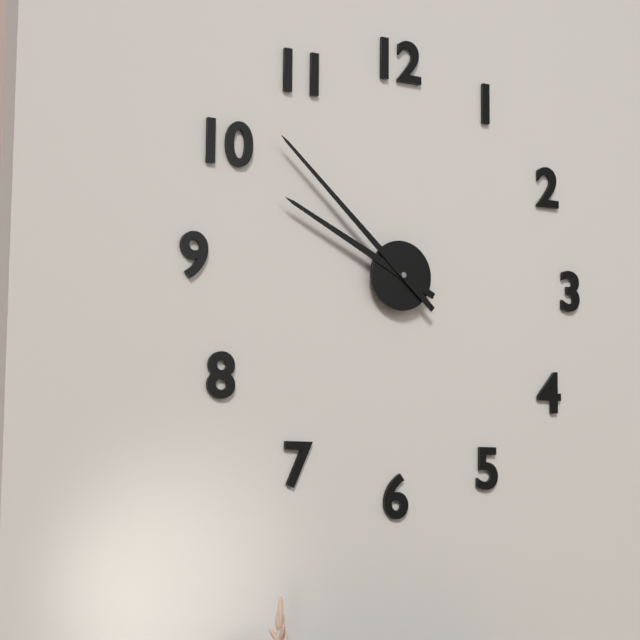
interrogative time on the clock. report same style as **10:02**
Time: **9:52**
